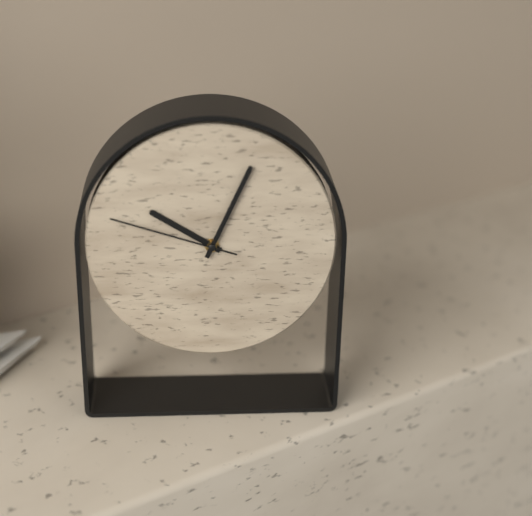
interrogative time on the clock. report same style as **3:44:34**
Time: **10:04:48**
